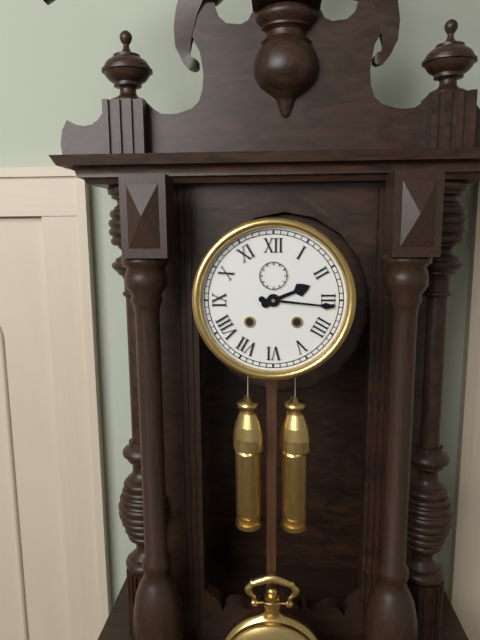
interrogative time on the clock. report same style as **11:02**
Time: **2:16**
